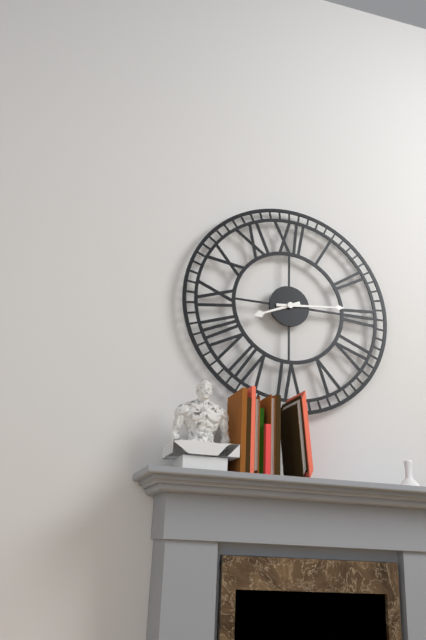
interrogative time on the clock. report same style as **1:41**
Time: **8:14**
